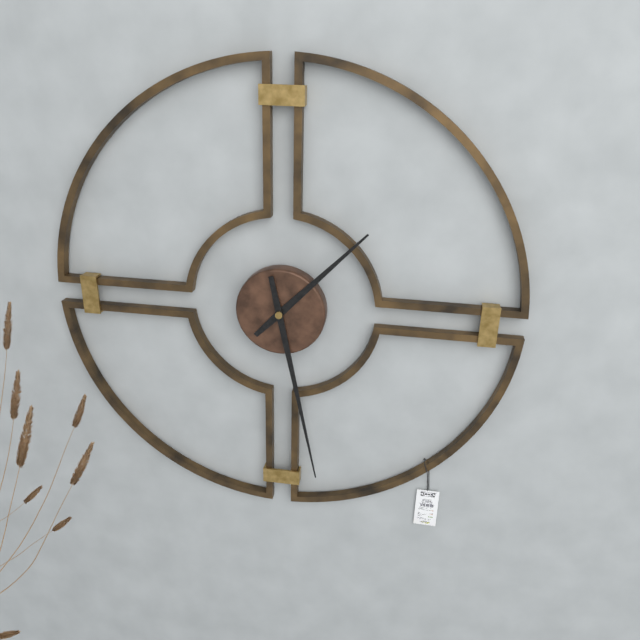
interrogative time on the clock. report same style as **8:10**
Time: **1:28**
